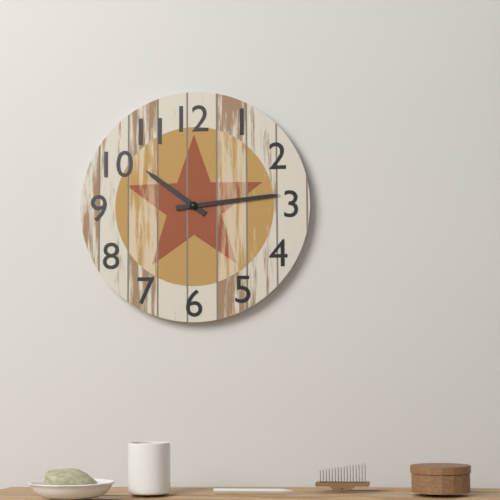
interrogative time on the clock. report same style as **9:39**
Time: **10:14**
